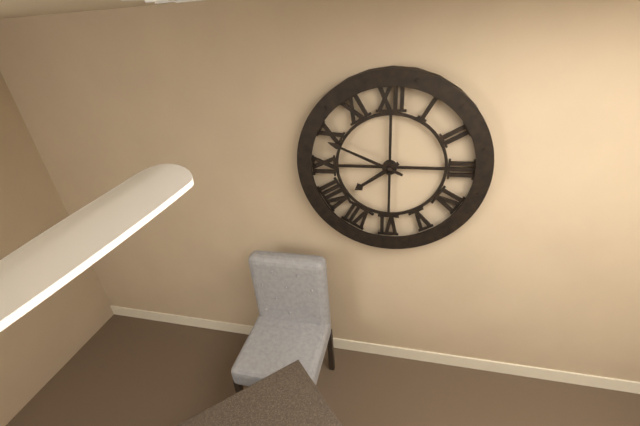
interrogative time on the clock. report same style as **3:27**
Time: **7:49**
